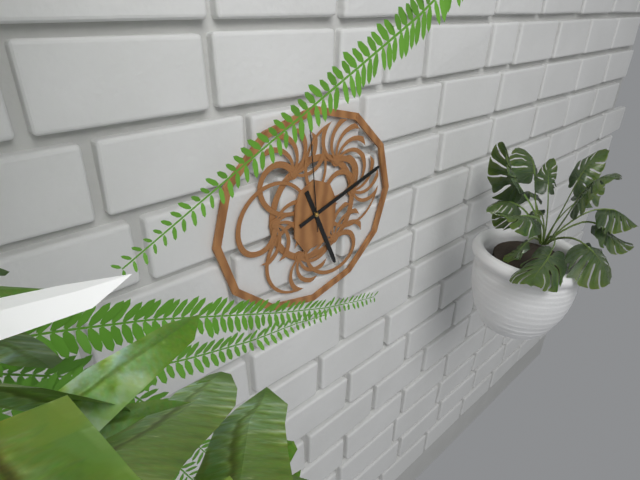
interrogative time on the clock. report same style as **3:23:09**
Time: **5:12:59**
